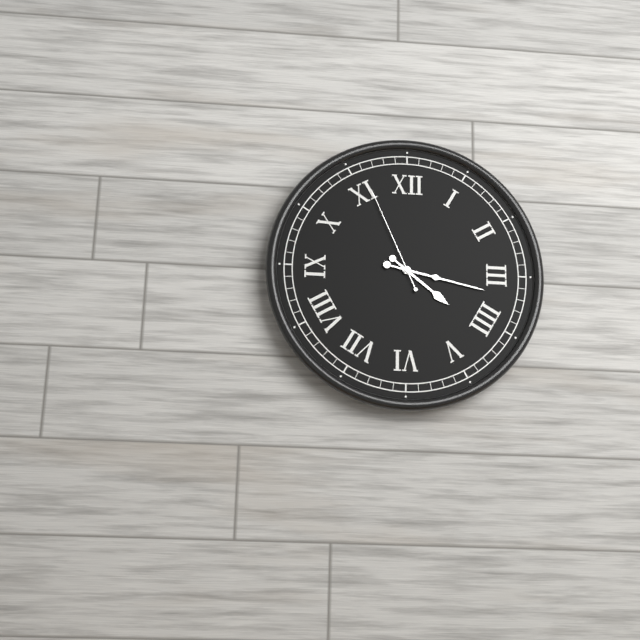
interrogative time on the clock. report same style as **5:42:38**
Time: **4:17:56**
